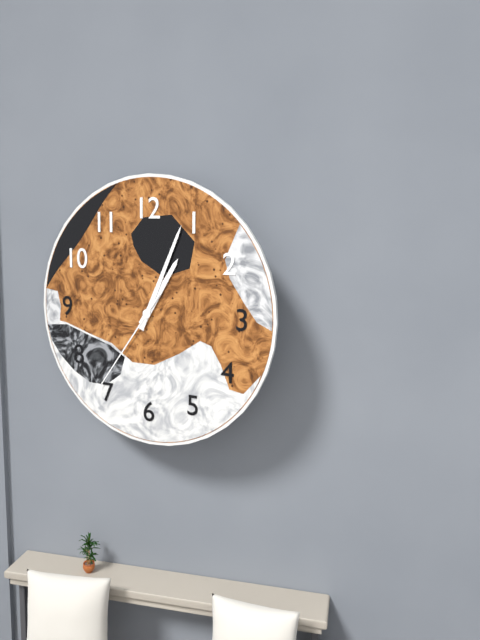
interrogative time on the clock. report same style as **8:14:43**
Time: **1:04:36**
